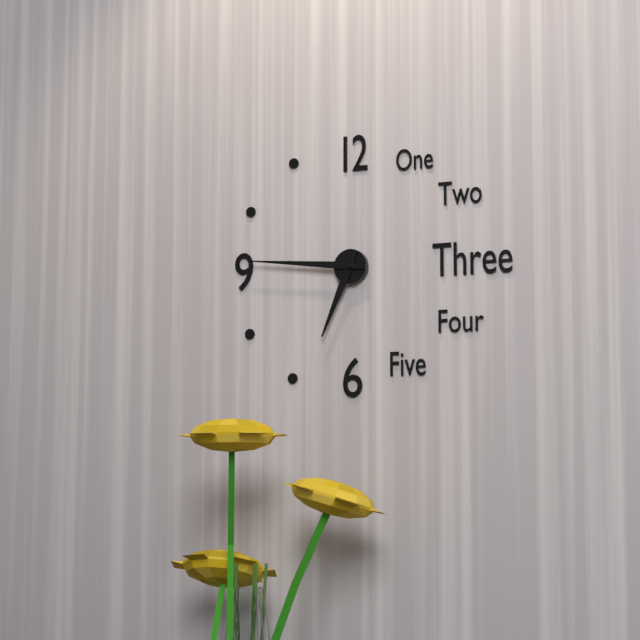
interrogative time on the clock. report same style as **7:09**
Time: **6:46**
